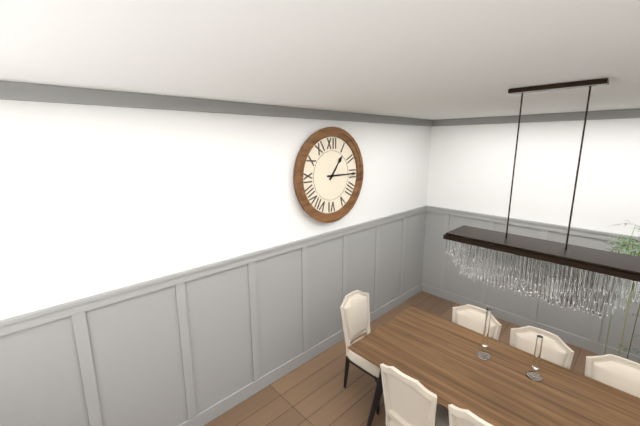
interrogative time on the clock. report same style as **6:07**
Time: **1:15**
